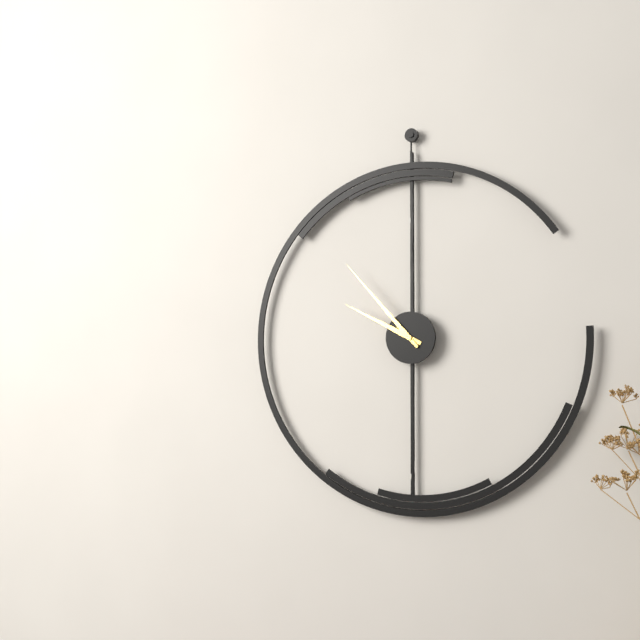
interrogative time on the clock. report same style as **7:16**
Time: **9:53**
